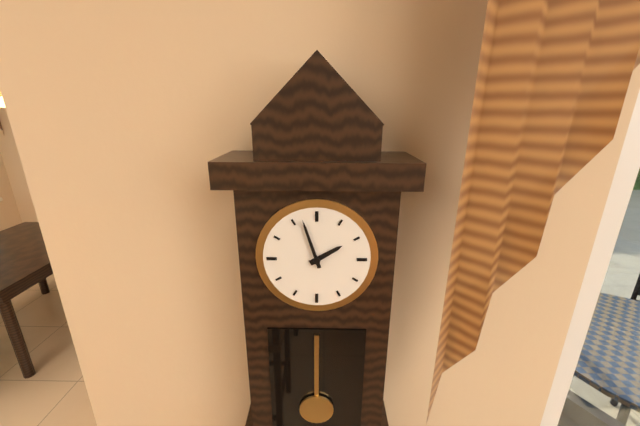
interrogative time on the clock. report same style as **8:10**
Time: **1:57**
